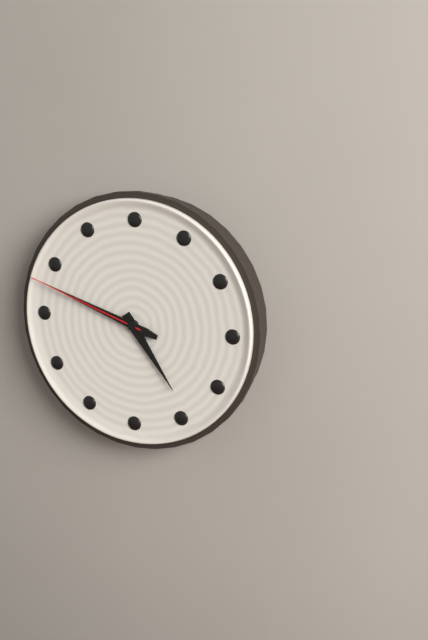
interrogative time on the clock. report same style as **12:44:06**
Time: **4:48:48**
